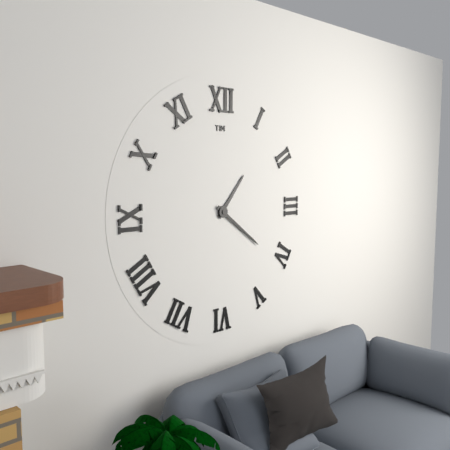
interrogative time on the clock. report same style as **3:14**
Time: **1:21**
